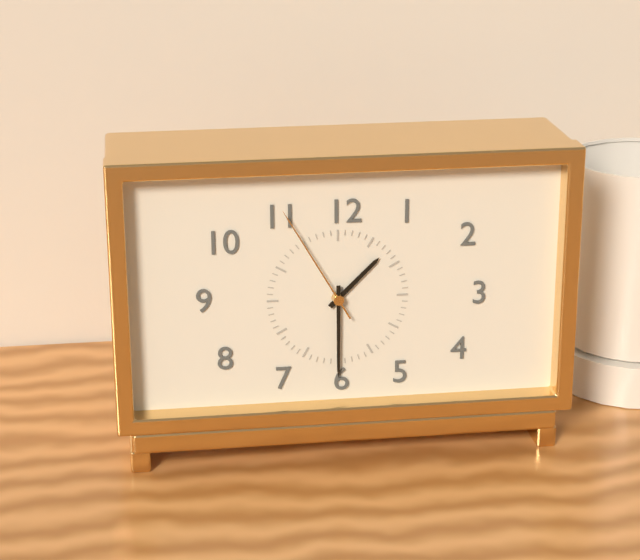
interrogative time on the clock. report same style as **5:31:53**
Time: **1:30:55**
